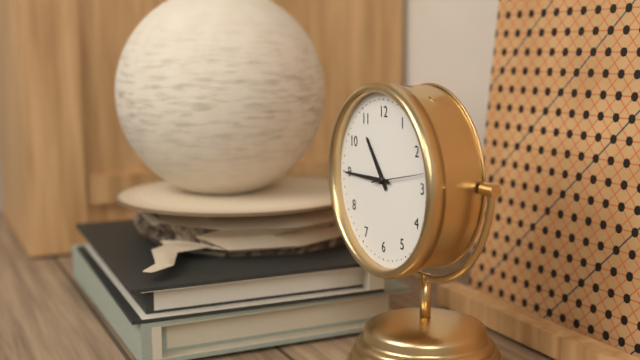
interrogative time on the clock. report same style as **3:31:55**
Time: **10:45:13**
